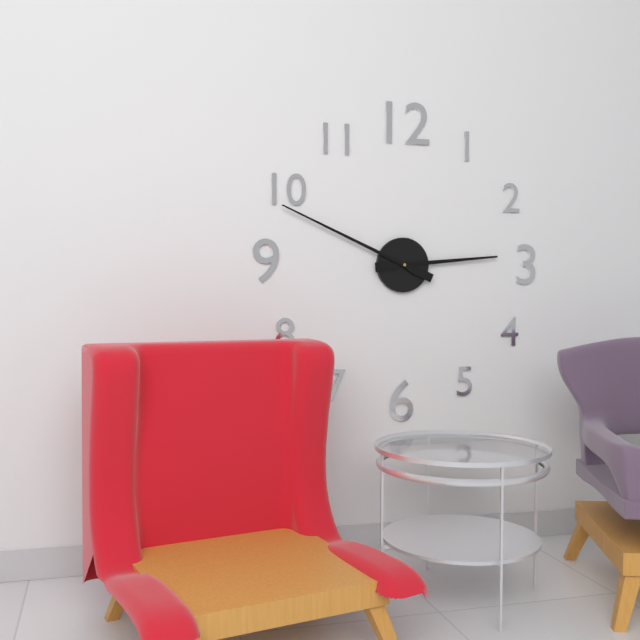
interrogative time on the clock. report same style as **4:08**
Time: **2:49**
